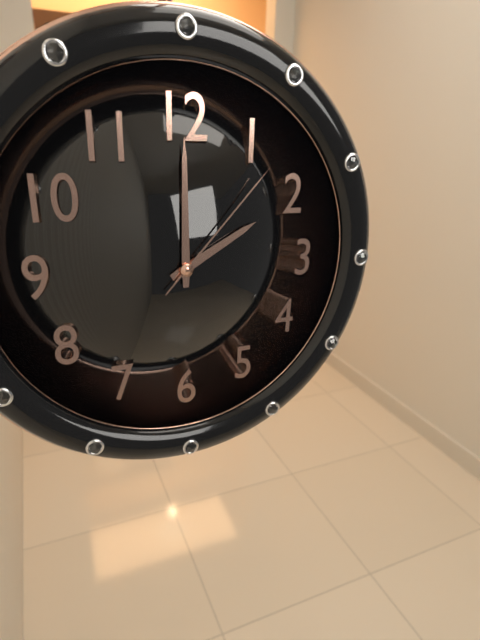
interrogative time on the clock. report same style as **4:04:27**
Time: **2:00:07**
